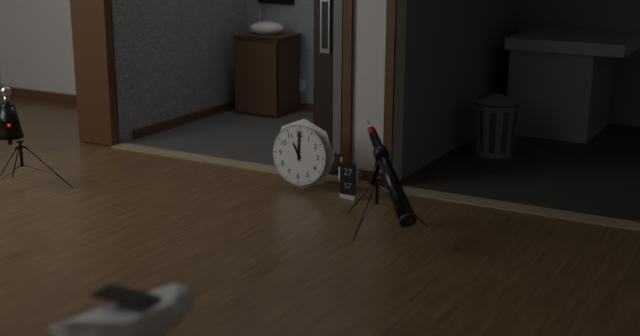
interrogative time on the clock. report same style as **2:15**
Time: **11:00**
